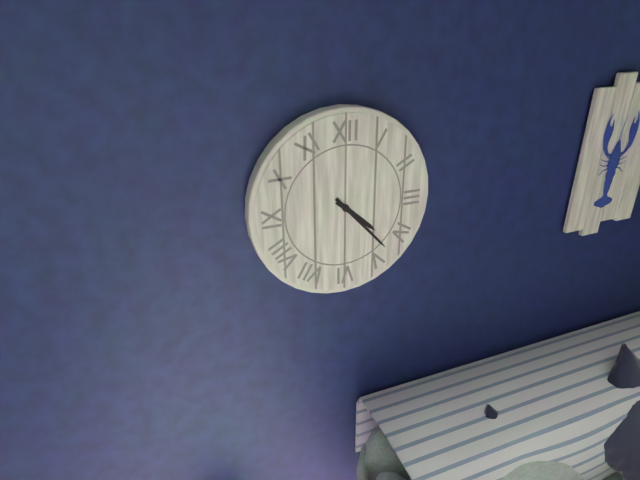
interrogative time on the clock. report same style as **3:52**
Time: **4:23**
